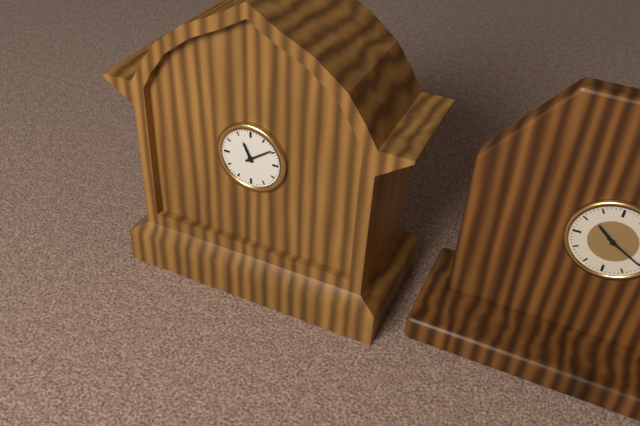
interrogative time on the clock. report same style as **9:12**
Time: **11:09**
